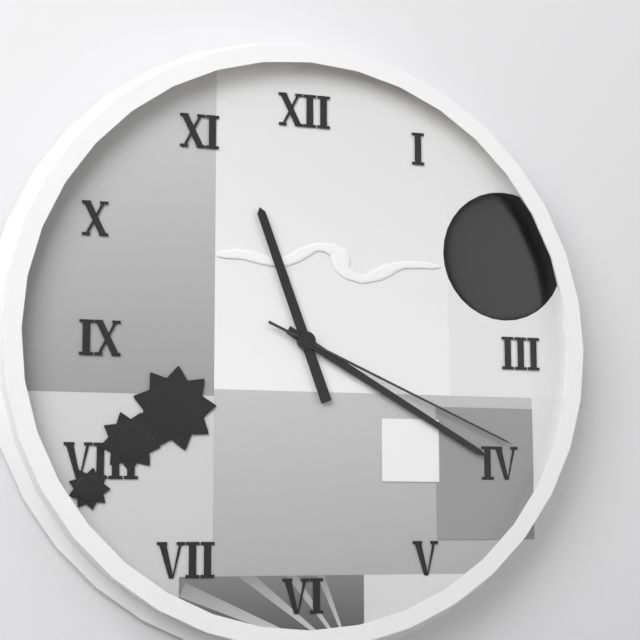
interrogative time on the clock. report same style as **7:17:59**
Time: **11:20:19**
